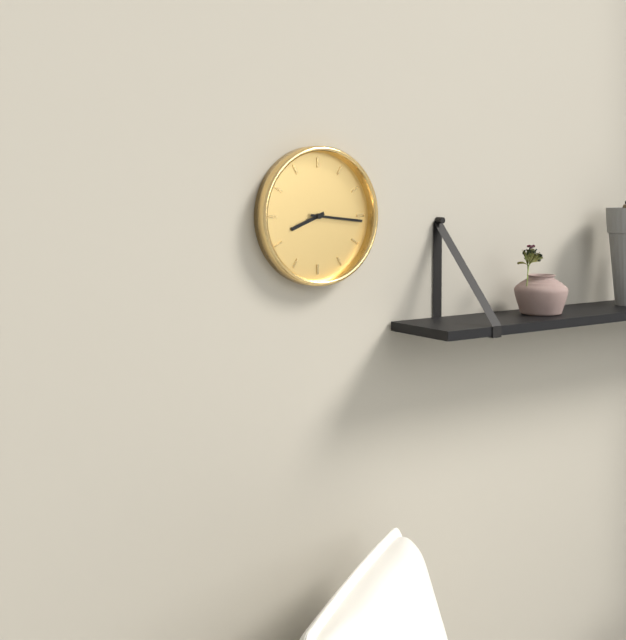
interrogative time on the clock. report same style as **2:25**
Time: **8:16**
